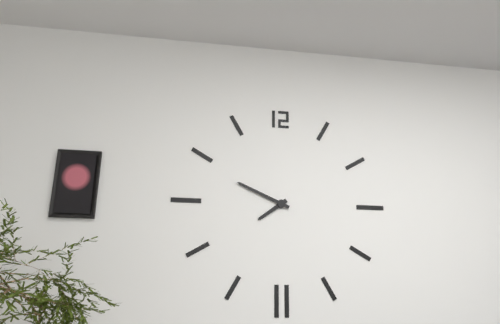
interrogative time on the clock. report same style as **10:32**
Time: **7:49**
